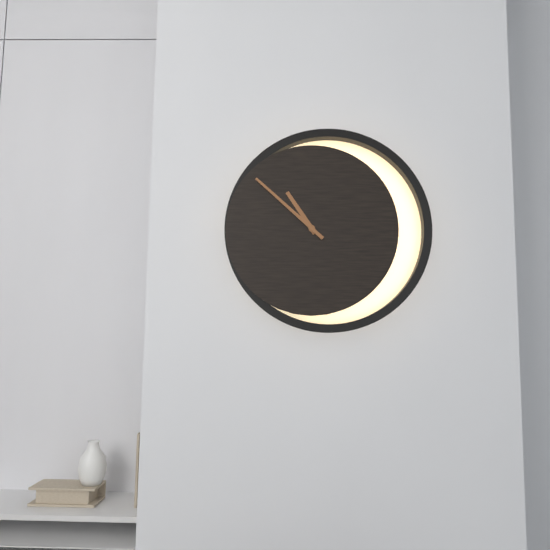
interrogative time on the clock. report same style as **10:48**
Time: **10:52**
